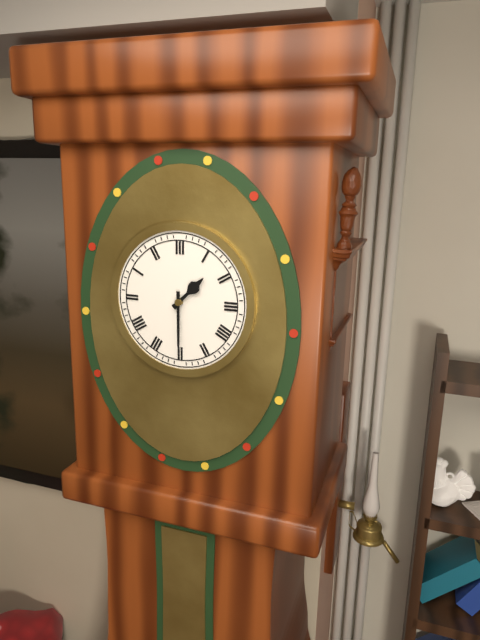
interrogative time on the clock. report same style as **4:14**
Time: **1:30**
